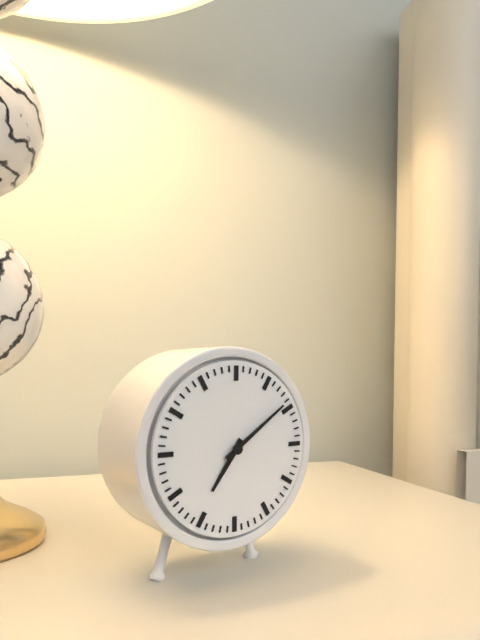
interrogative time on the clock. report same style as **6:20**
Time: **7:09**
